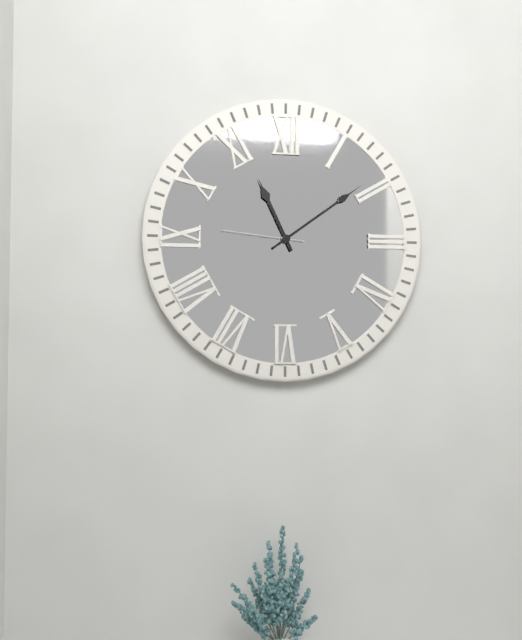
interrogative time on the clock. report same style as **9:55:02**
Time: **11:09:46**
